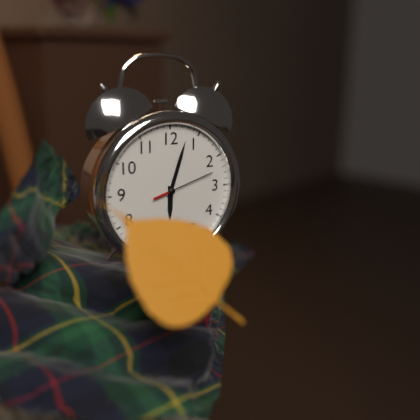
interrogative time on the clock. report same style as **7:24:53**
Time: **6:03:12**
